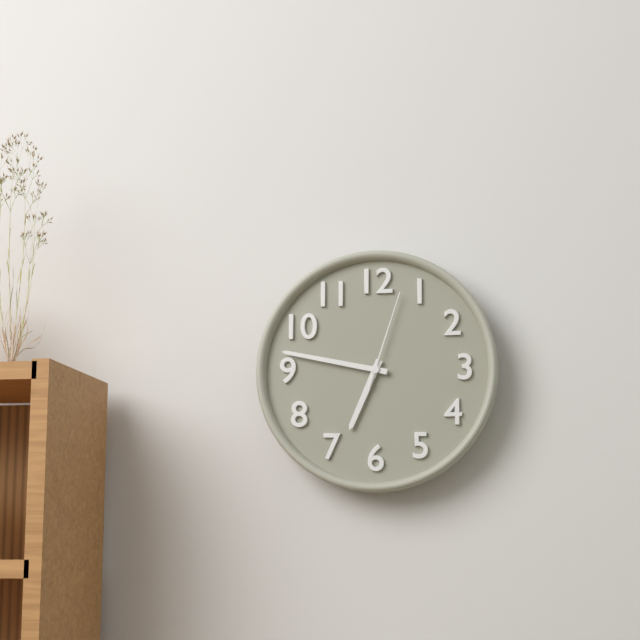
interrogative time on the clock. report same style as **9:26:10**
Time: **6:47:03**
